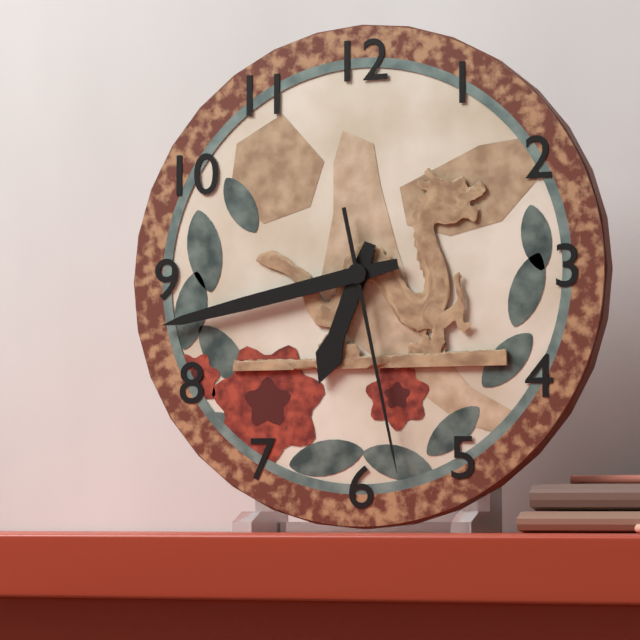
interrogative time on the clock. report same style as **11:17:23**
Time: **6:43:28**
